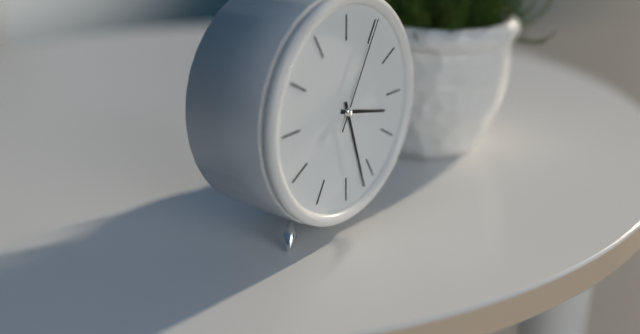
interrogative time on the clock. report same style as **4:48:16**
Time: **3:27:05**
